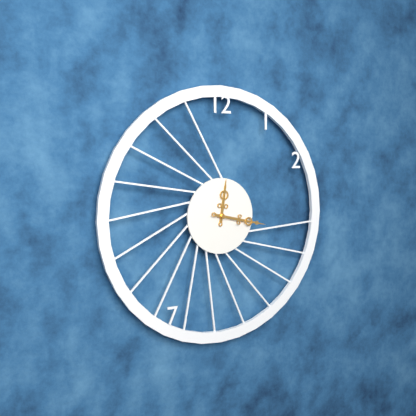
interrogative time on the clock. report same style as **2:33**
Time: **12:17**
